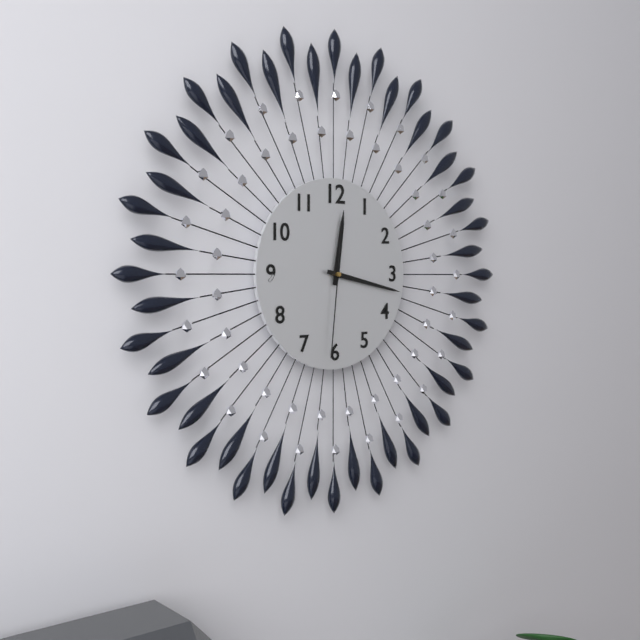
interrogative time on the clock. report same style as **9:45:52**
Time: **12:17:31**
